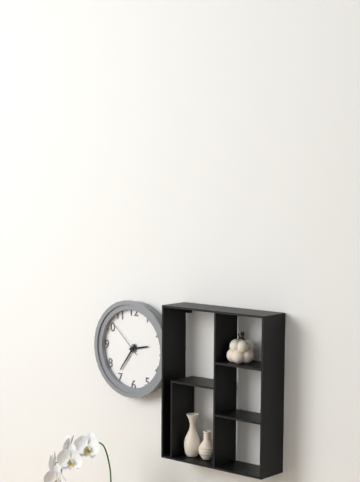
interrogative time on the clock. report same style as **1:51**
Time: **2:36**
